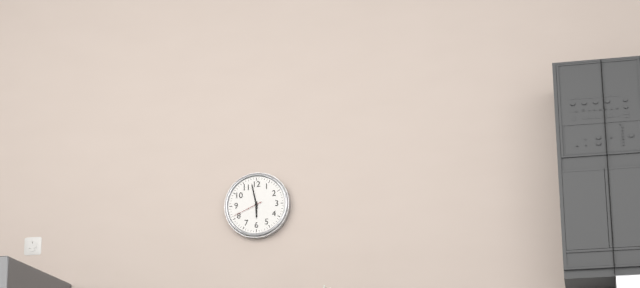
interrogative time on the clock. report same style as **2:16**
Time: **5:58**
